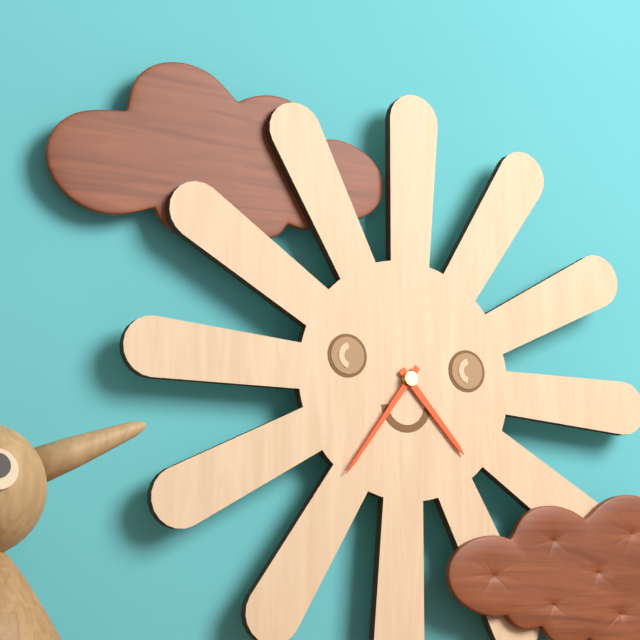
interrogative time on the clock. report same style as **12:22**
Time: **4:36**
